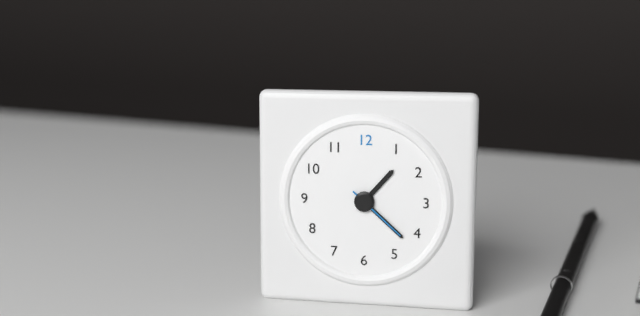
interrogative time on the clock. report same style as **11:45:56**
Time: **1:22:22**
